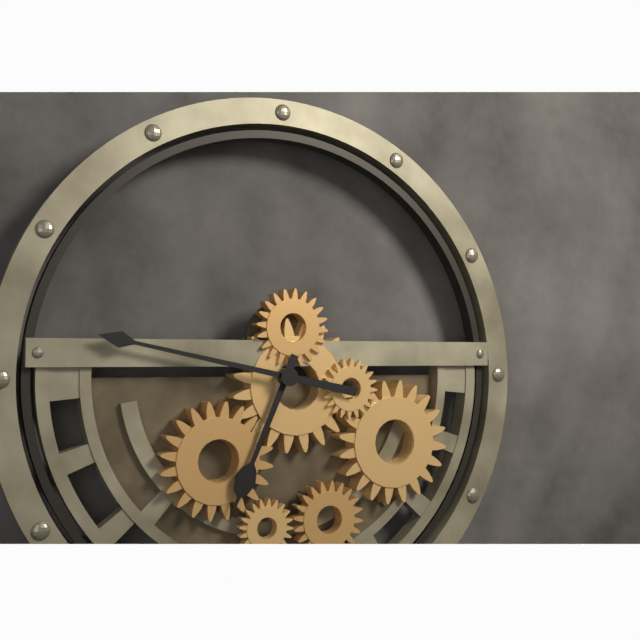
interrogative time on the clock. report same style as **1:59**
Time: **6:47**
